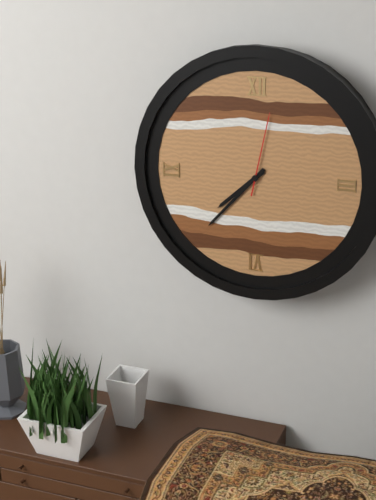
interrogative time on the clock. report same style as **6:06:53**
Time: **7:37:02**
